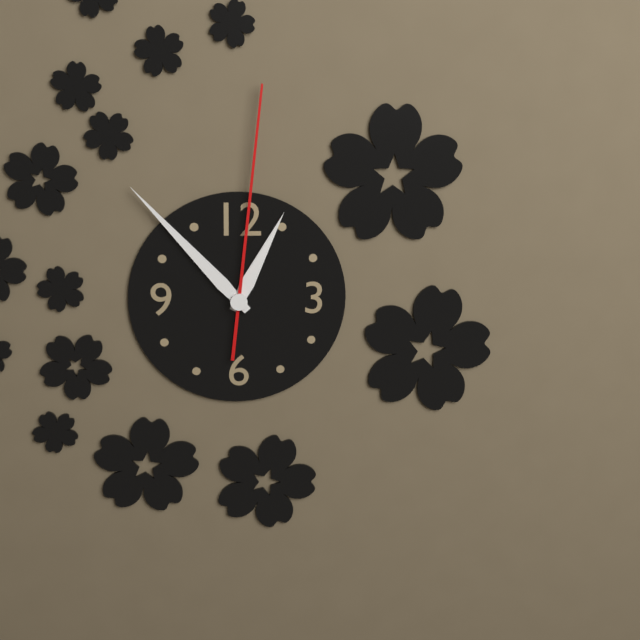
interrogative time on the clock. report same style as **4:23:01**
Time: **12:53:01**
